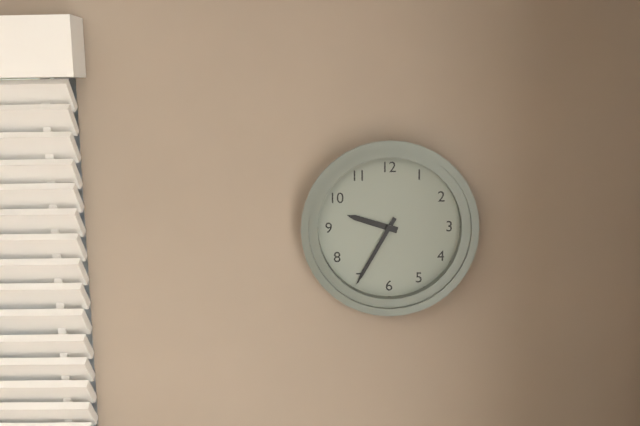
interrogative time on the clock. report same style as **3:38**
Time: **9:35**
